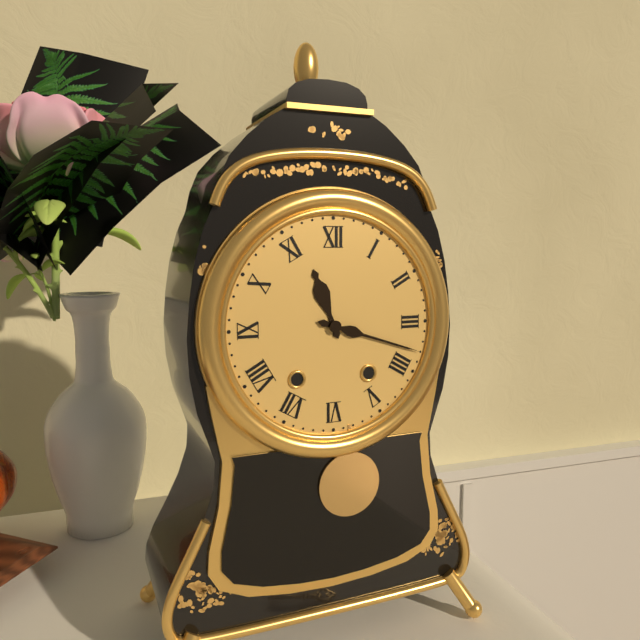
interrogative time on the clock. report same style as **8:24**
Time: **11:18**
